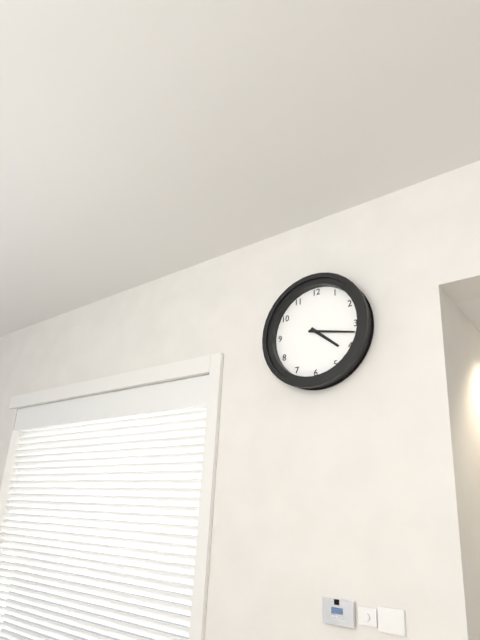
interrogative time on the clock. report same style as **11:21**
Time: **4:17**
